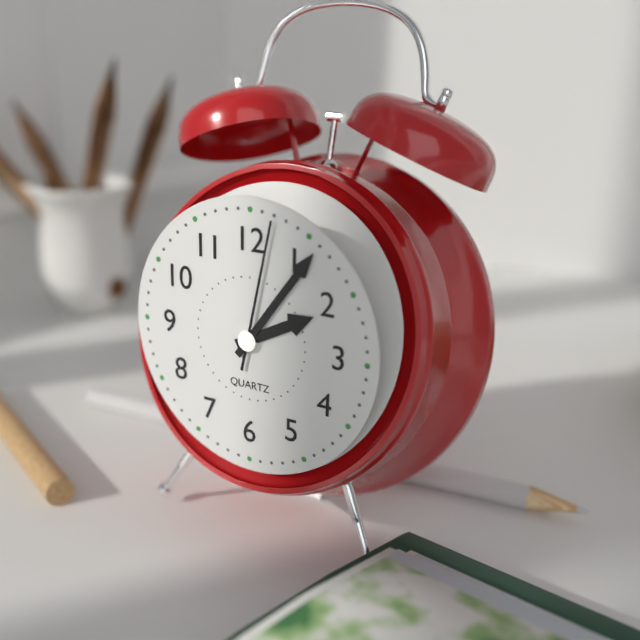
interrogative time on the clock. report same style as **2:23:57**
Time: **2:06:02**
